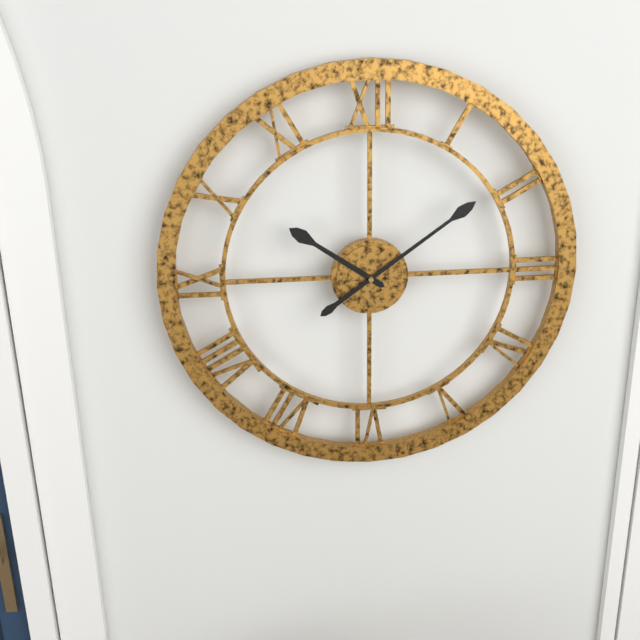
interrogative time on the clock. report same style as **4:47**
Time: **10:09**
